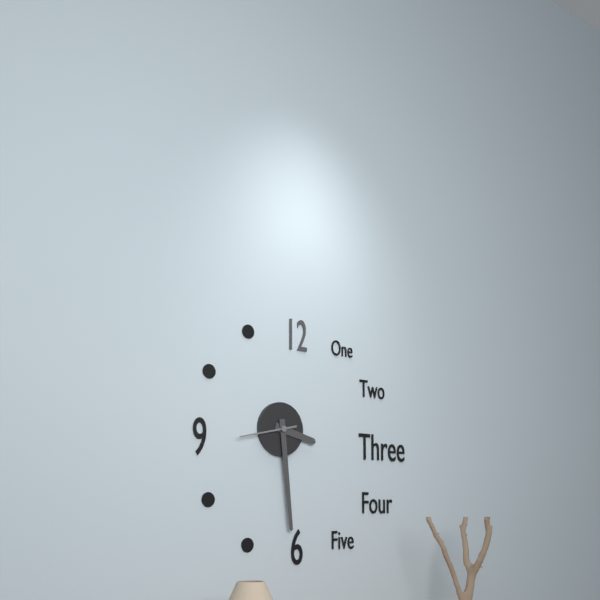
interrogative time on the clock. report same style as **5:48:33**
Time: **3:29:43**
